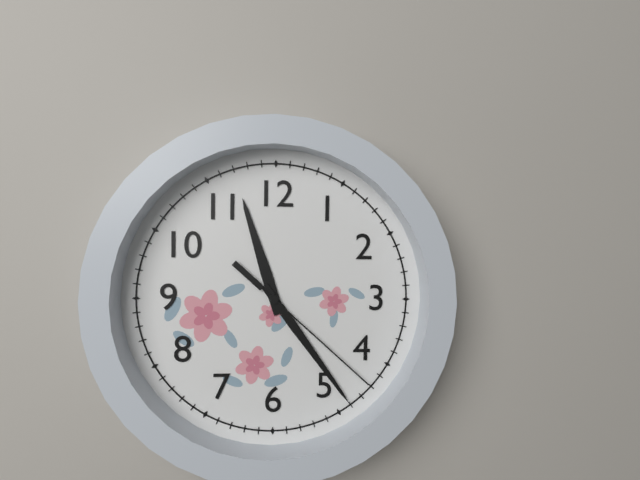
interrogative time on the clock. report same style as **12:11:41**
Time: **11:24:22**
